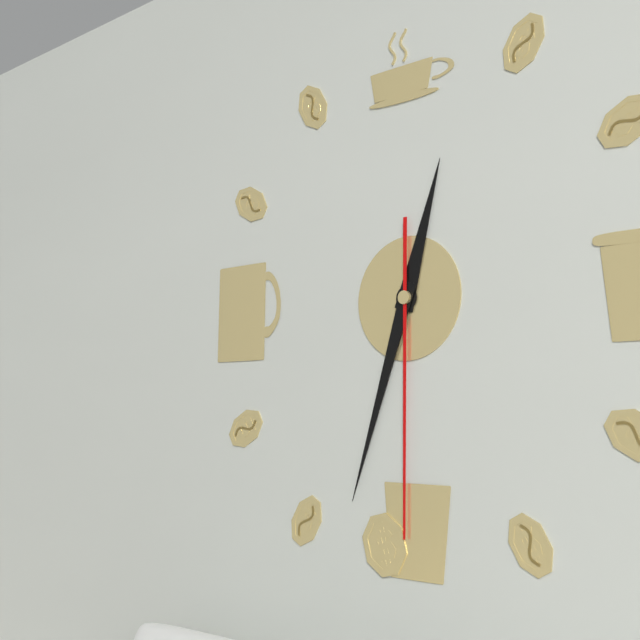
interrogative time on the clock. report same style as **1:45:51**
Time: **12:33:30**
